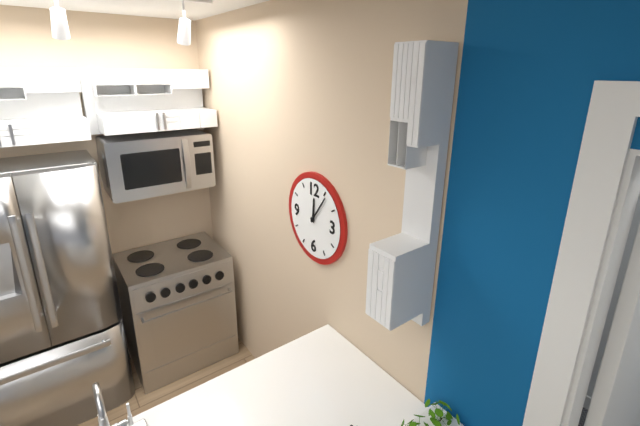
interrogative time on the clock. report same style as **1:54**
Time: **12:06**
